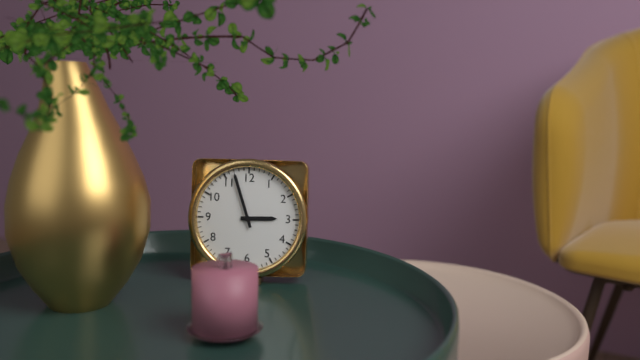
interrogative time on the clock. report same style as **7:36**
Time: **2:57**
